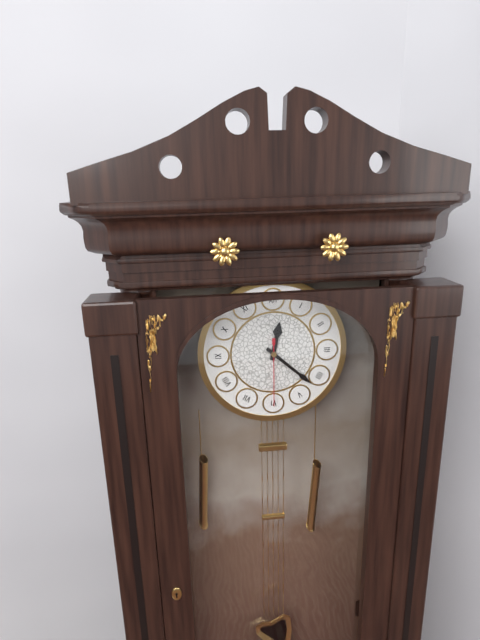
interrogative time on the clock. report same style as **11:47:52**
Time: **12:22:30**
